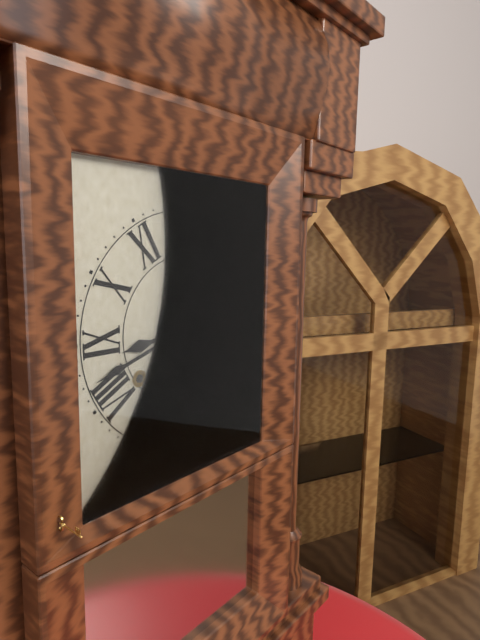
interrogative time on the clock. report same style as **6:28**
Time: **8:42**
